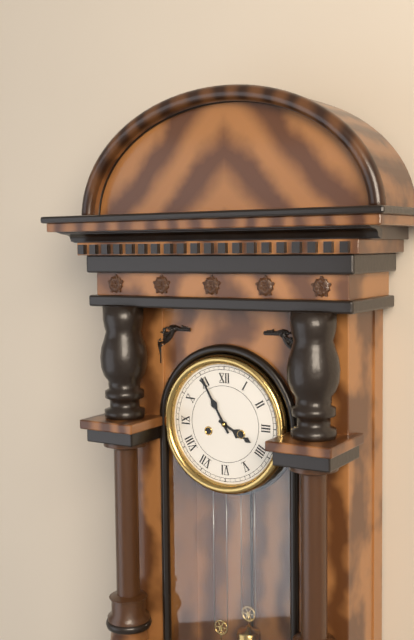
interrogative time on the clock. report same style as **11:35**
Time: **3:55**
